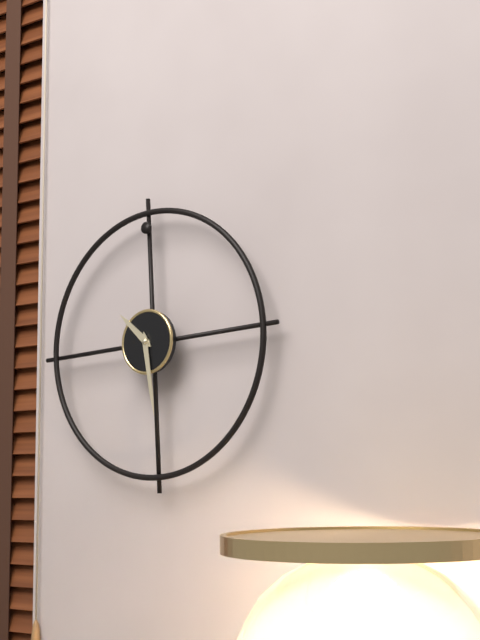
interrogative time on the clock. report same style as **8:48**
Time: **10:29**
